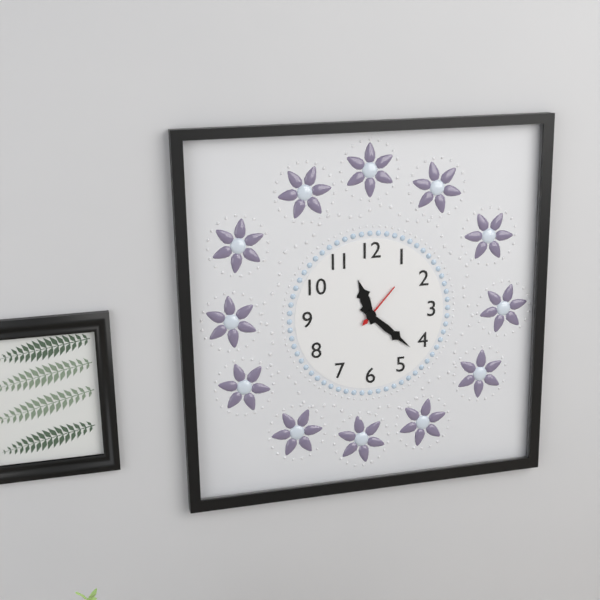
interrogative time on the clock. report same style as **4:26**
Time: **11:22**
